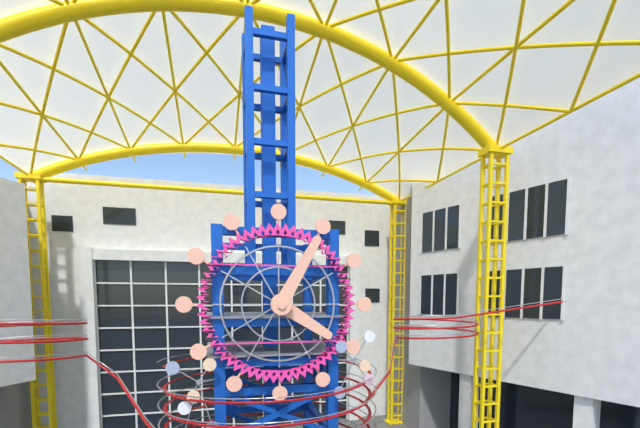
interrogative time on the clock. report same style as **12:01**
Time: **4:05**
